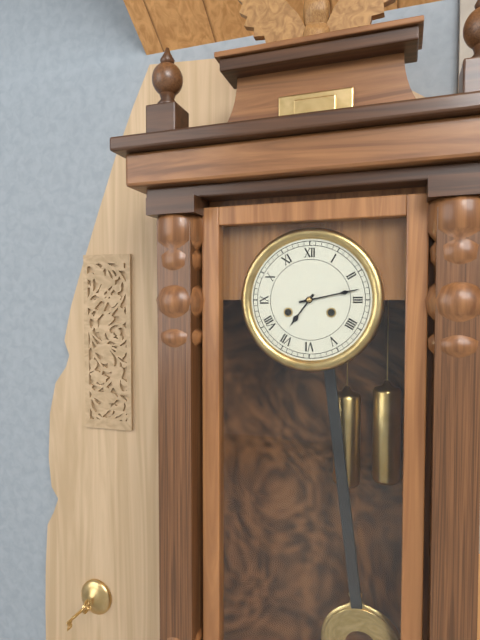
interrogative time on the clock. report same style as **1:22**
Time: **7:13**
